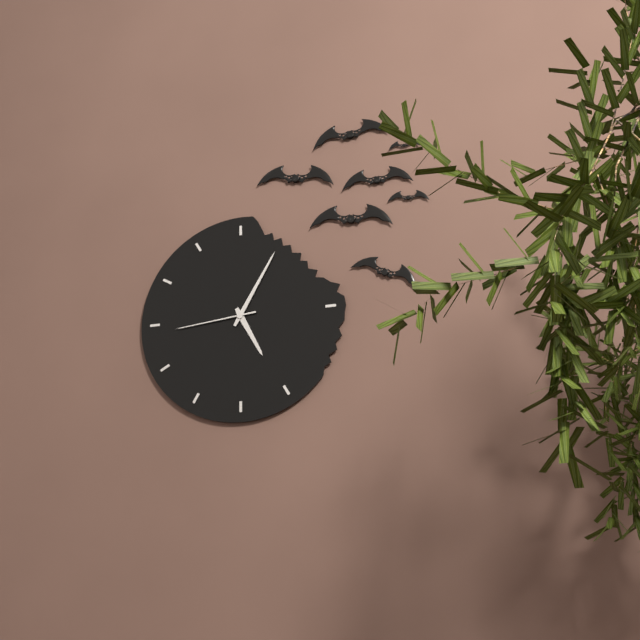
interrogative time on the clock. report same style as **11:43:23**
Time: **5:05:44**
